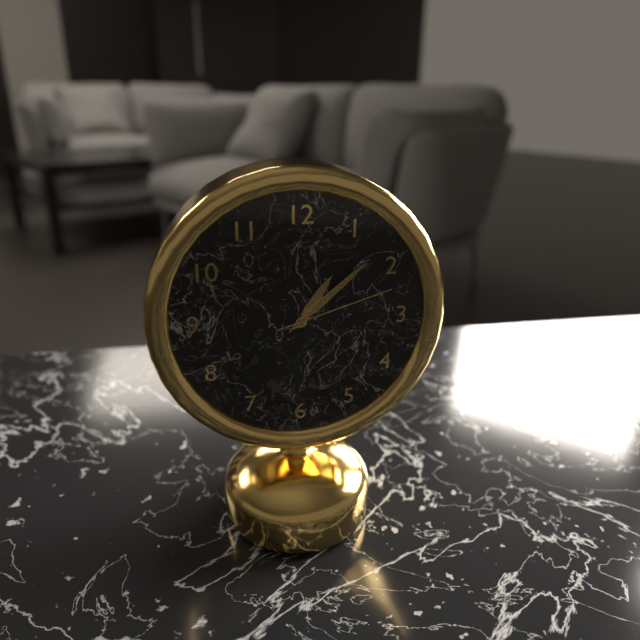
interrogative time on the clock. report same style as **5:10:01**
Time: **1:08:12**
